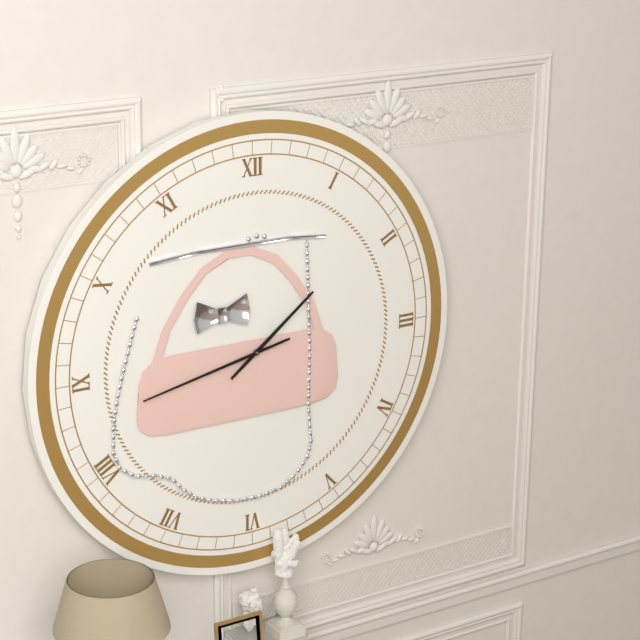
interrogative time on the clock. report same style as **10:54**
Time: **1:43**
